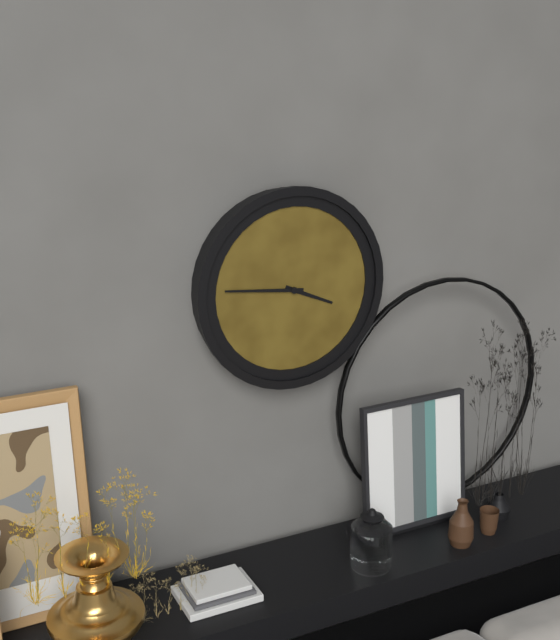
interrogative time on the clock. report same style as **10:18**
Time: **3:46**
